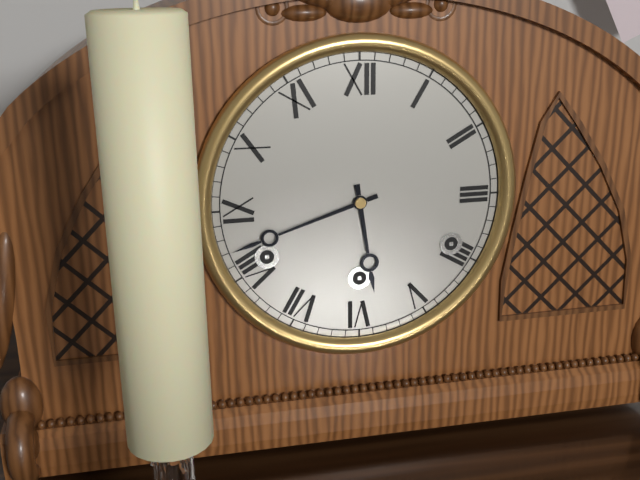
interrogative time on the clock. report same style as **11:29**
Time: **5:42**
